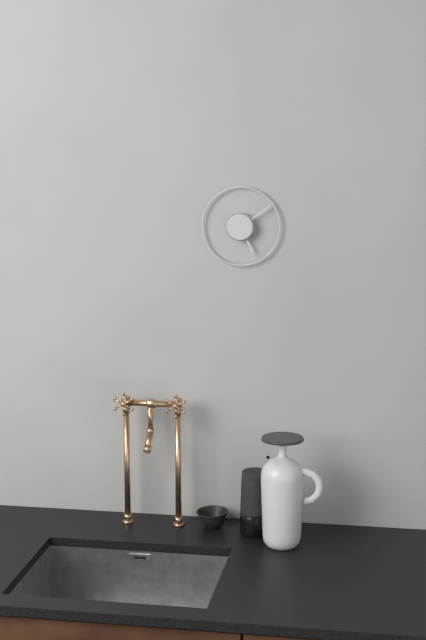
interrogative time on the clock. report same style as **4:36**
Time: **5:09**
